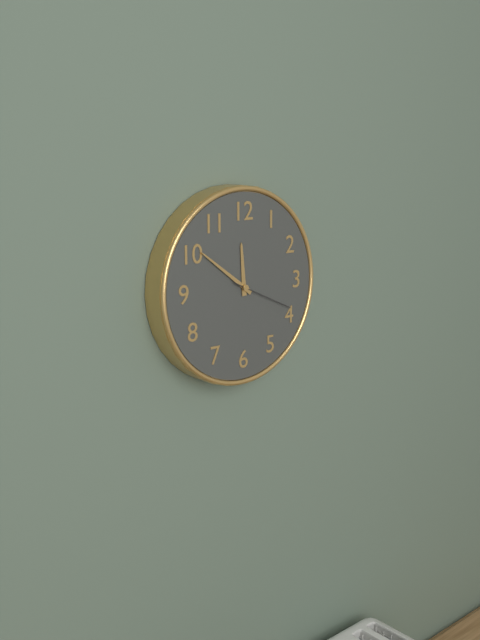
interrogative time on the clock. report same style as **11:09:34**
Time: **11:51:19**
